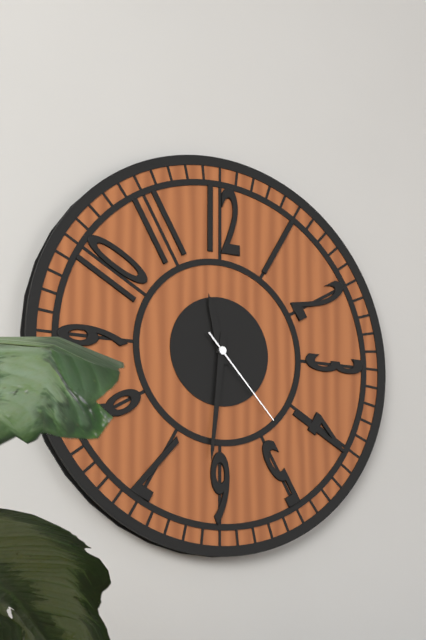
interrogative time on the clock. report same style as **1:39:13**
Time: **11:31:23**
